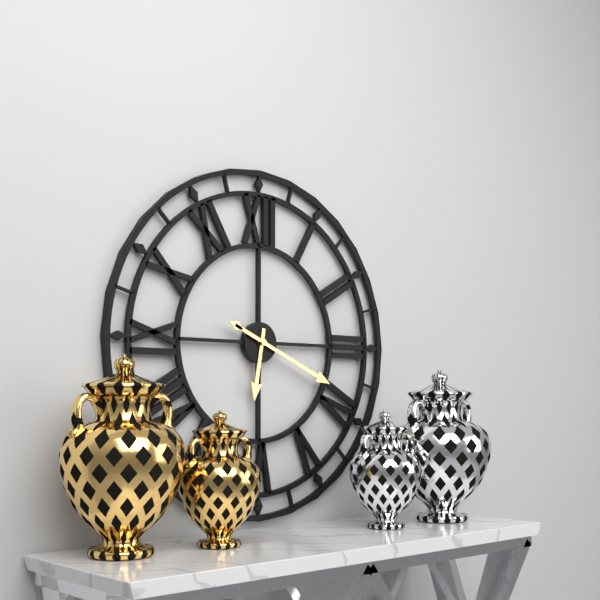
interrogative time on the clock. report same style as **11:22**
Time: **6:19**
